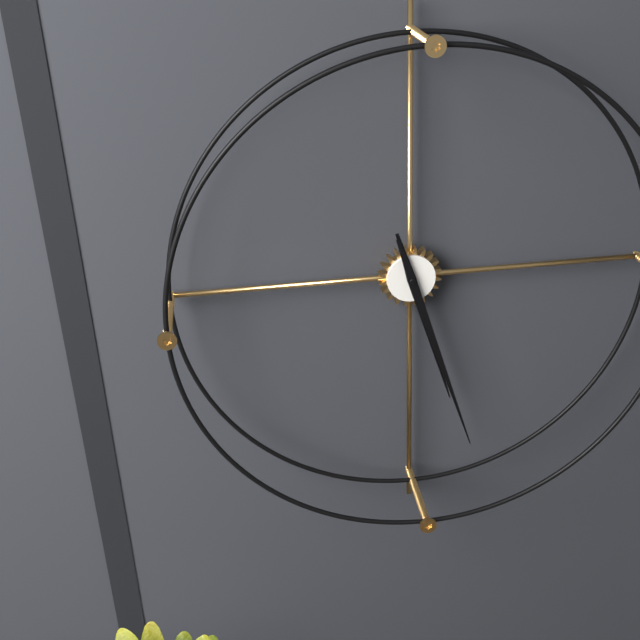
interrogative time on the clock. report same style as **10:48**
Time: **5:27**
